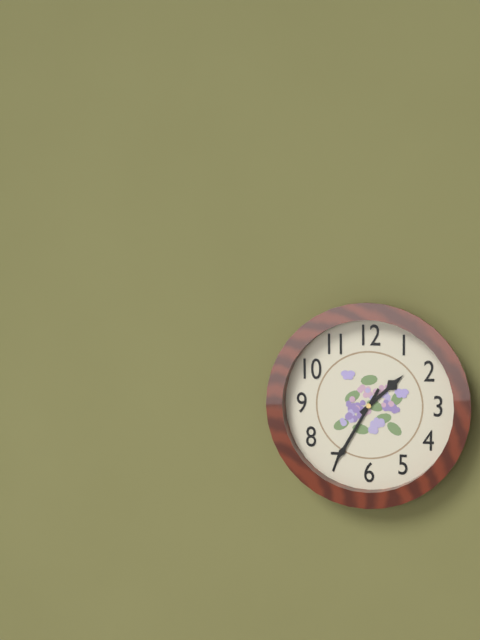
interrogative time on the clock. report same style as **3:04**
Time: **1:35**
